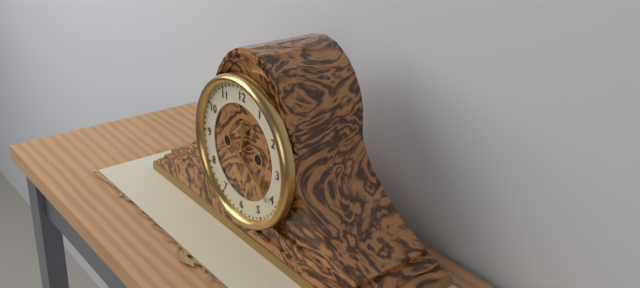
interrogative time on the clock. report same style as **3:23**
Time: **12:21**
